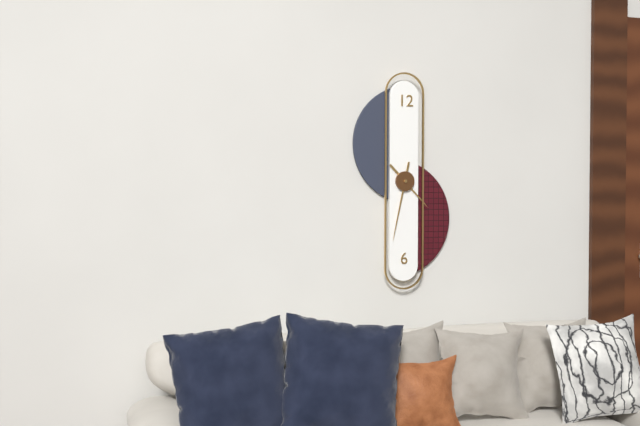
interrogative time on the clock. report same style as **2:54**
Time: **4:32**
